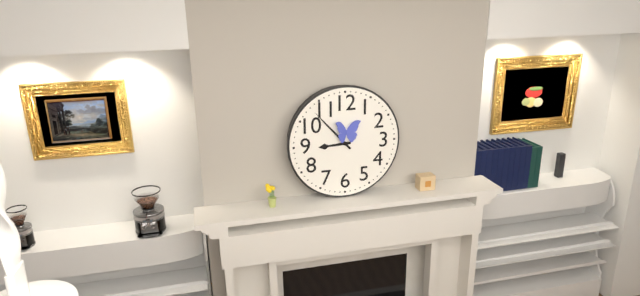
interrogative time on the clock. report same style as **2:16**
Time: **8:53**
